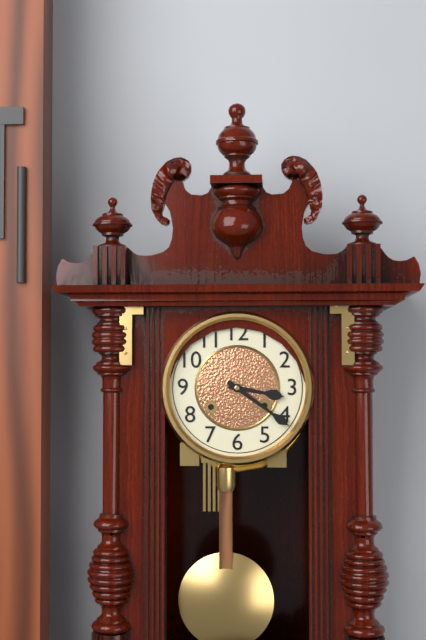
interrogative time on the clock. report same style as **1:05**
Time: **3:21**
